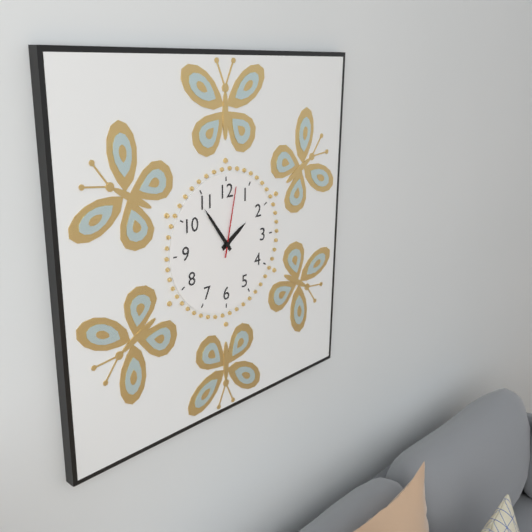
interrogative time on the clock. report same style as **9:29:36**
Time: **1:54:02**
